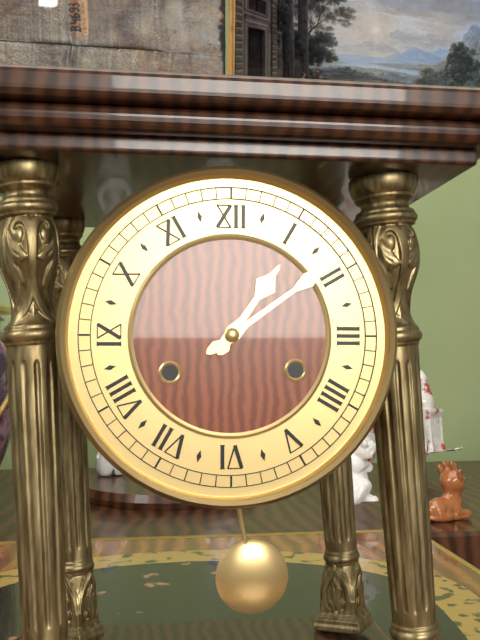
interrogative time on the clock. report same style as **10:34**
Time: **1:09**
